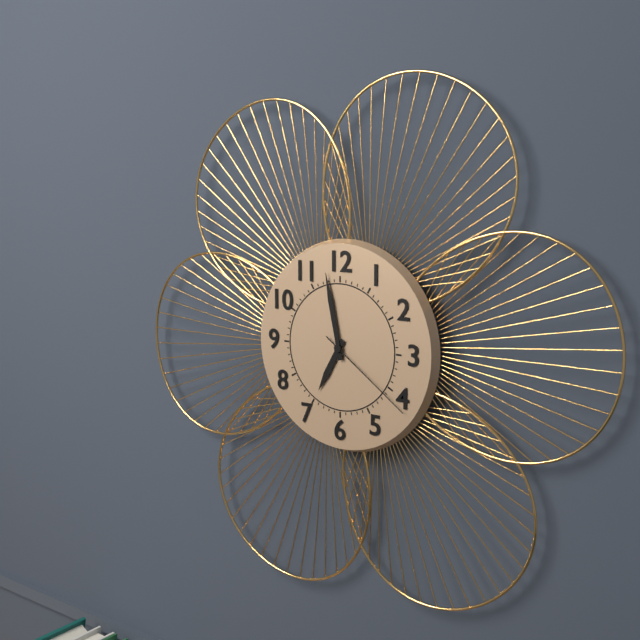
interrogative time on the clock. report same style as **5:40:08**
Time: **6:58:21**
